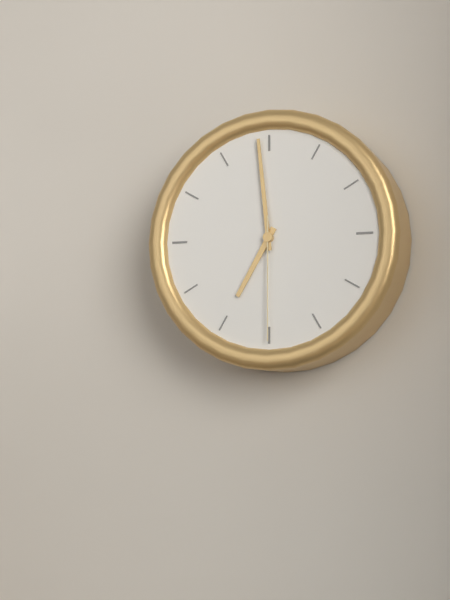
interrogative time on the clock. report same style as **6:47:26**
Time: **6:59:30**
